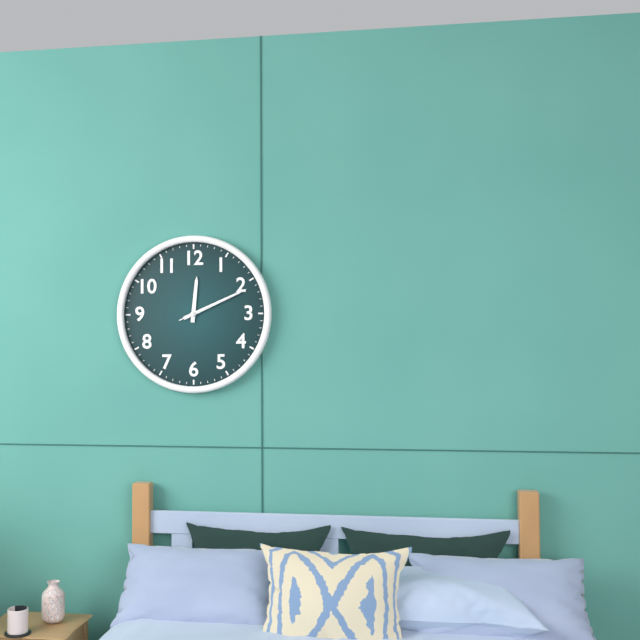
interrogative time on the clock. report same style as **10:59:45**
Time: **12:11:11**
